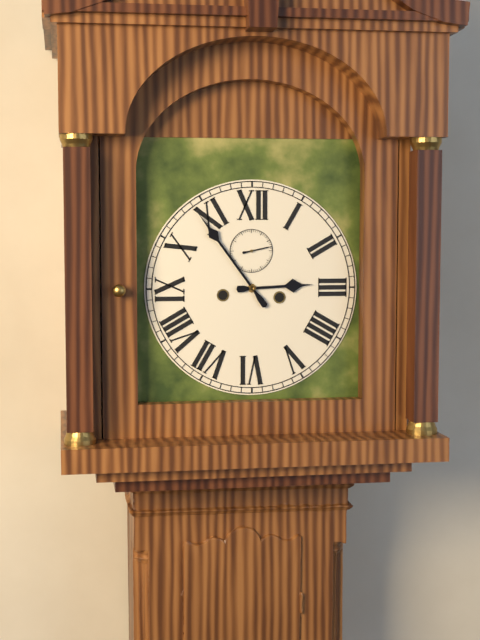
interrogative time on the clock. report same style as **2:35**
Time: **2:54**
